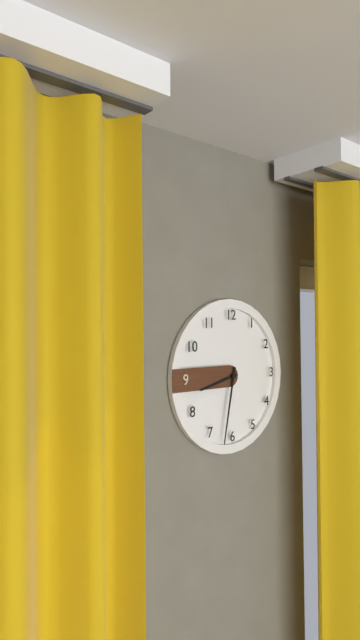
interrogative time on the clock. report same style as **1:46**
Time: **8:32**
